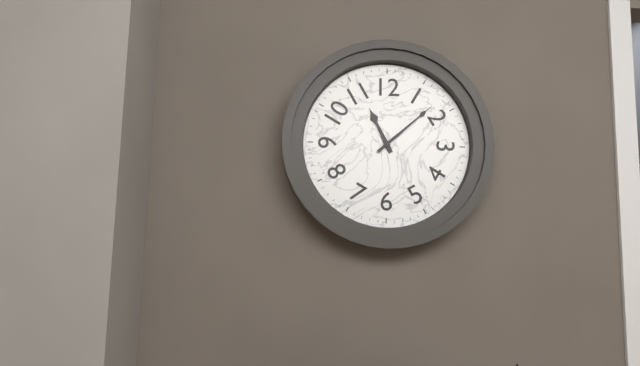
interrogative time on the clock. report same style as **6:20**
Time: **11:08**
